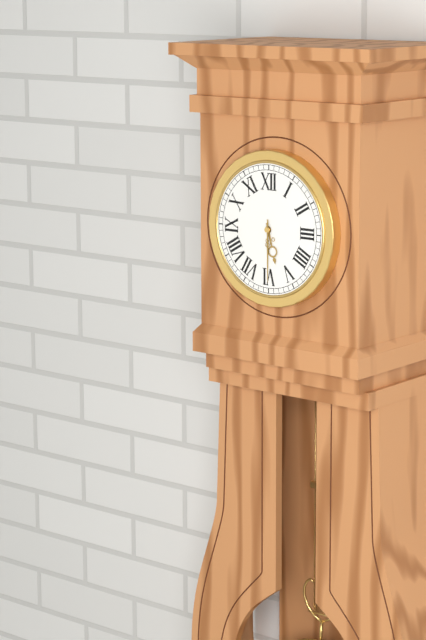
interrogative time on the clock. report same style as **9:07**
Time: **5:30**
